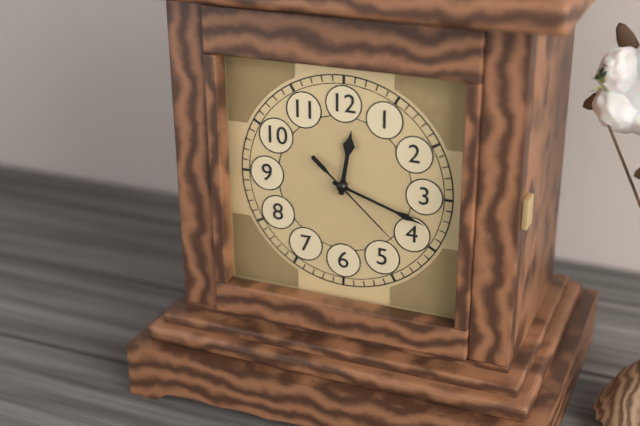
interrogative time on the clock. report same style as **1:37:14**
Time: **12:18:22**
